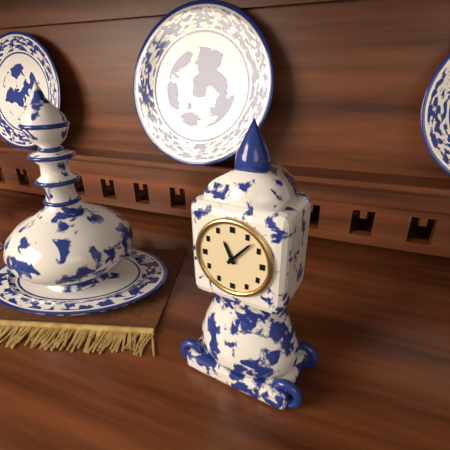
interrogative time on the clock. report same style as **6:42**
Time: **11:07**
